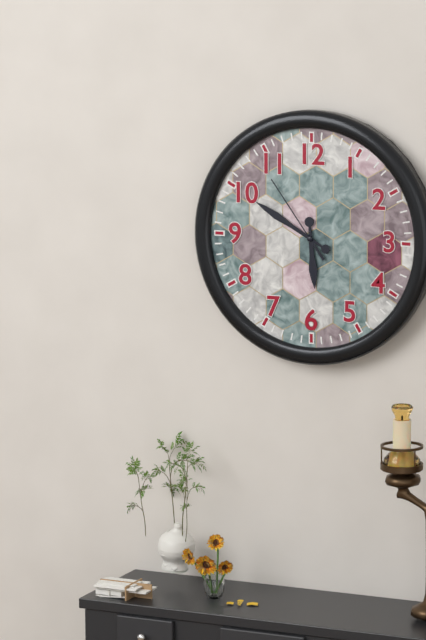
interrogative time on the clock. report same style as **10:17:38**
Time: **5:50:54**
